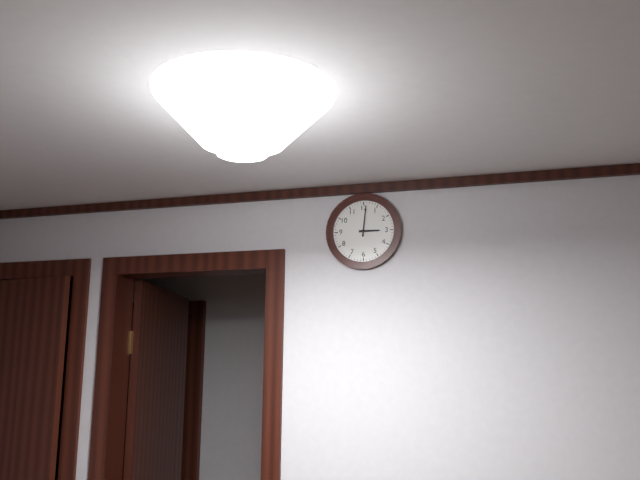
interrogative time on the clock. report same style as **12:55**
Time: **3:01**
